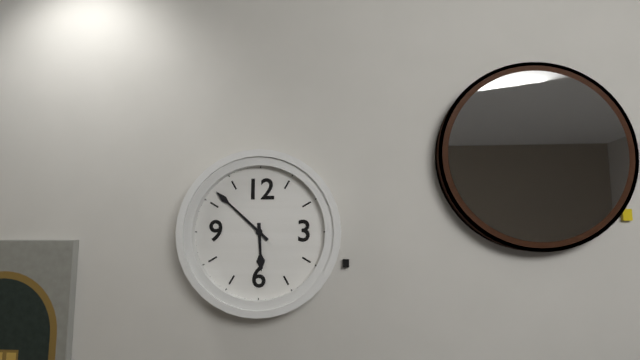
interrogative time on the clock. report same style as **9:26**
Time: **5:52**
